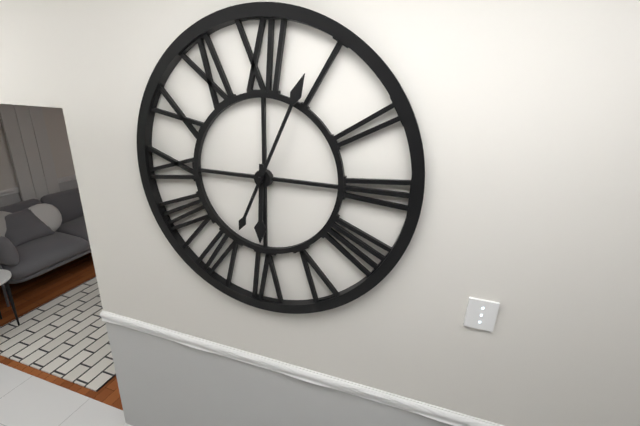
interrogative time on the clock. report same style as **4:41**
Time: **6:04**
